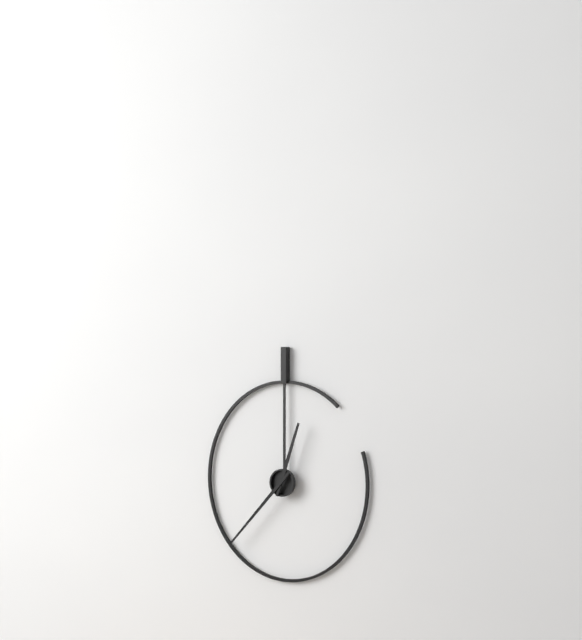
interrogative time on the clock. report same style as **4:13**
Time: **12:37**
